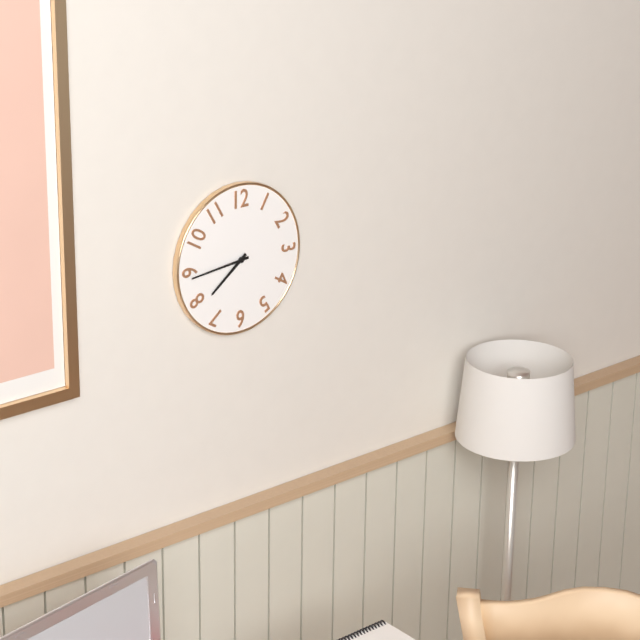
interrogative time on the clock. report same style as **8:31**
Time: **7:44**
